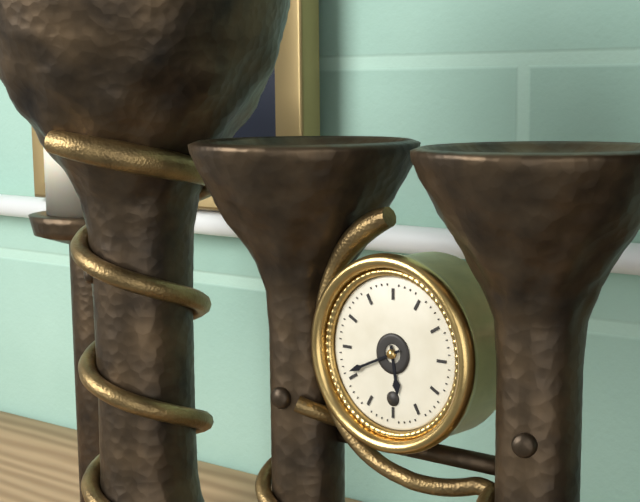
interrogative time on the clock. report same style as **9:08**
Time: **5:41**
